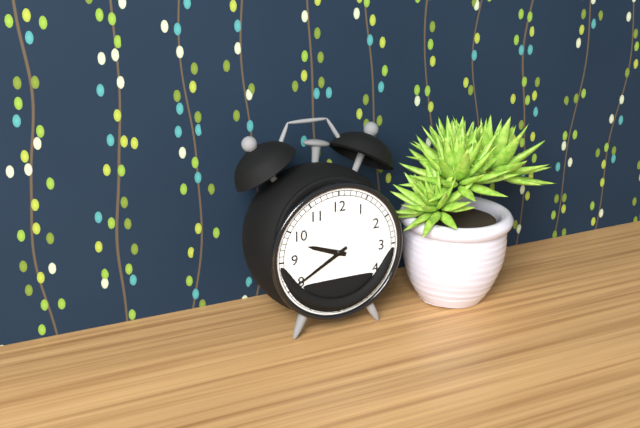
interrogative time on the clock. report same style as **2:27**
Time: **9:40**
